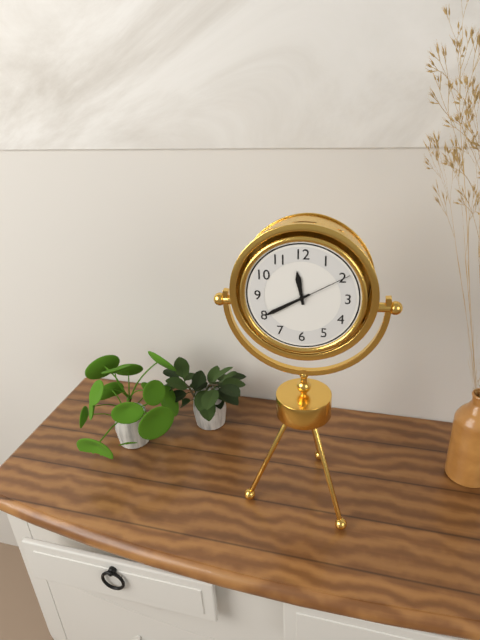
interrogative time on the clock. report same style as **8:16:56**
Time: **11:40:10**
